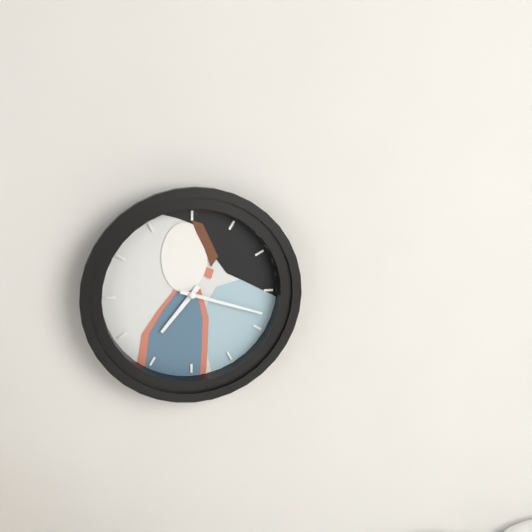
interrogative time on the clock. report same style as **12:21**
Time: **7:18**
